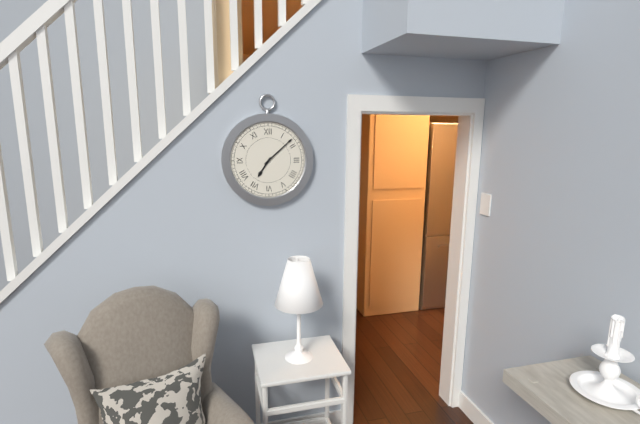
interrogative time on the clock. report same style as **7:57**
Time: **7:08**
